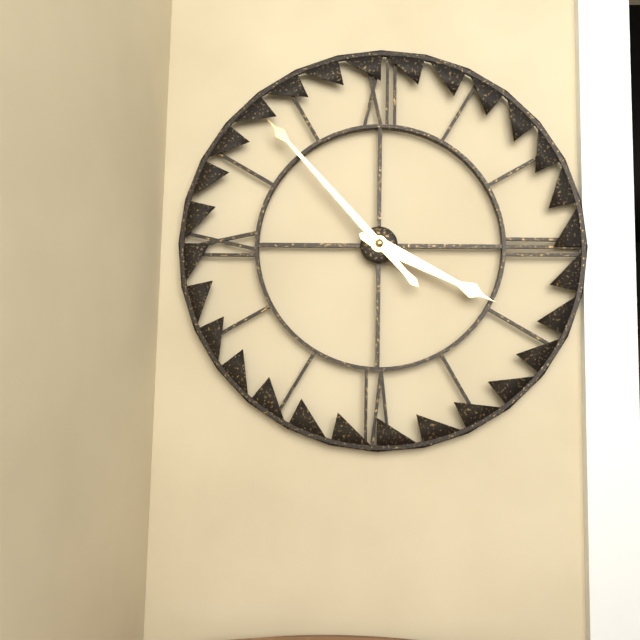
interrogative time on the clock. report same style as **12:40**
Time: **3:53**
